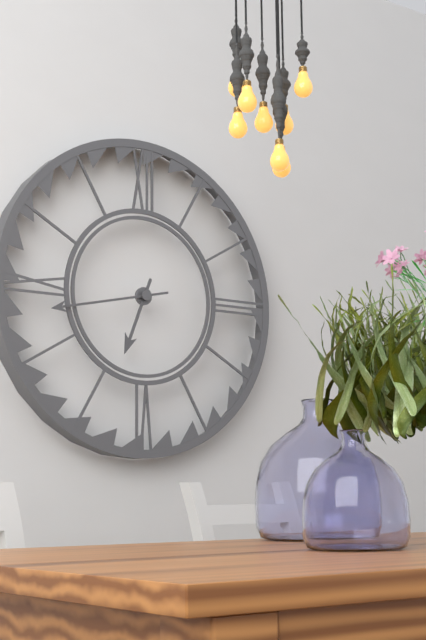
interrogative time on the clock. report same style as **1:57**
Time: **6:43**
